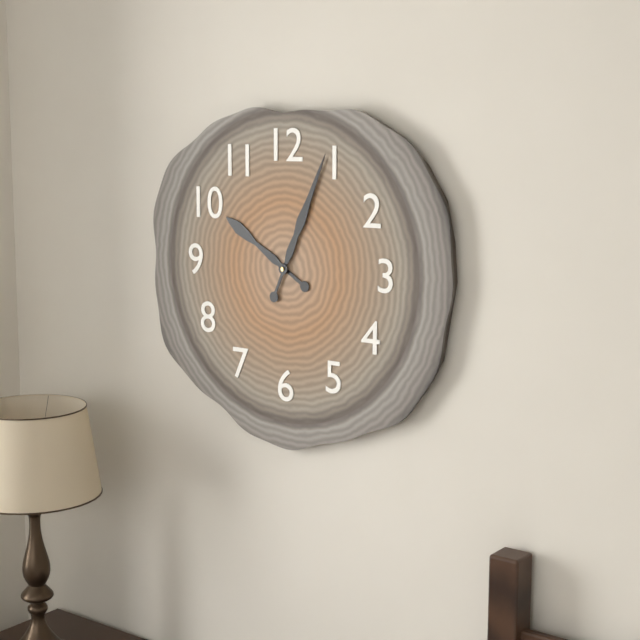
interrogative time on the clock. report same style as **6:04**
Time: **10:04**
